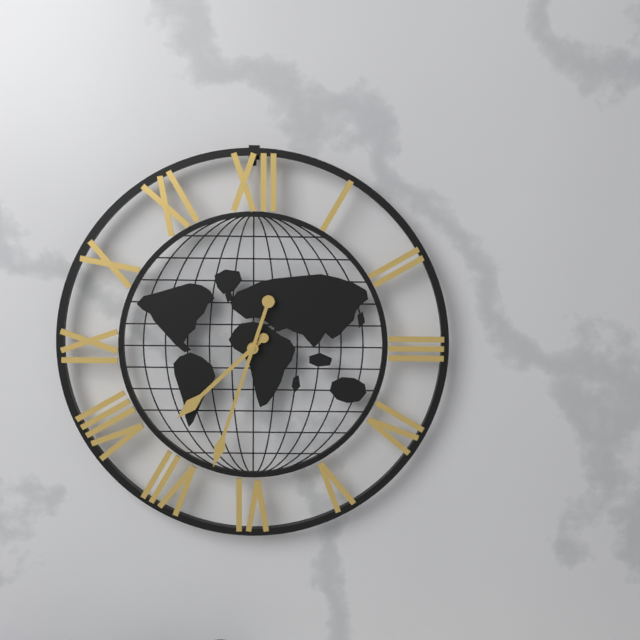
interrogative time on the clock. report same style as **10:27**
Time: **7:33**
